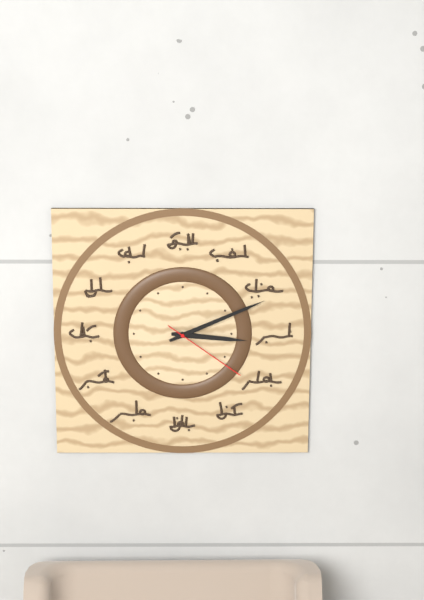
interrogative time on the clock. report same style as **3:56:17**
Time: **3:11:21**
